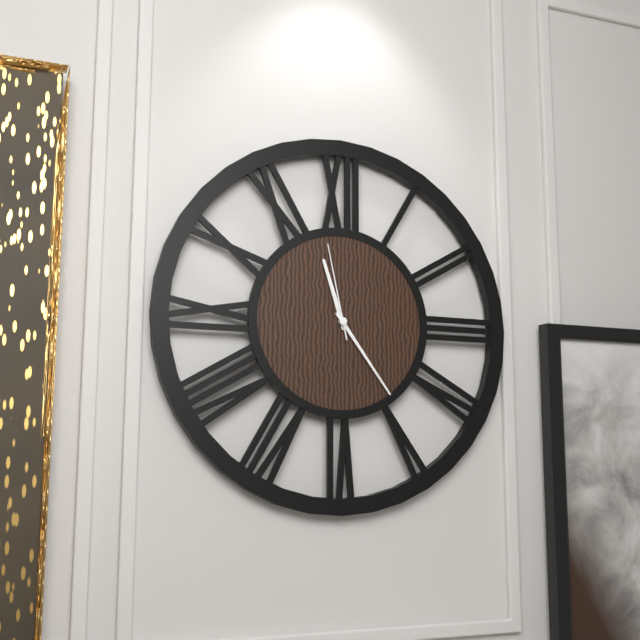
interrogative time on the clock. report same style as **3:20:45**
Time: **11:24:58**
